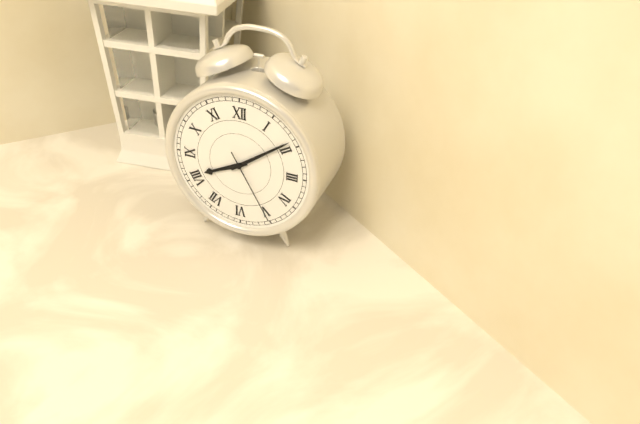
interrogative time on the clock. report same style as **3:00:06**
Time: **8:09:25**
